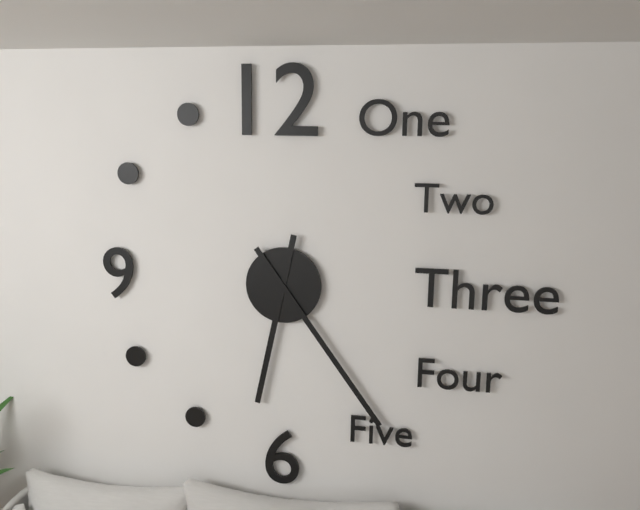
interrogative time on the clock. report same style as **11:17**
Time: **6:24**
